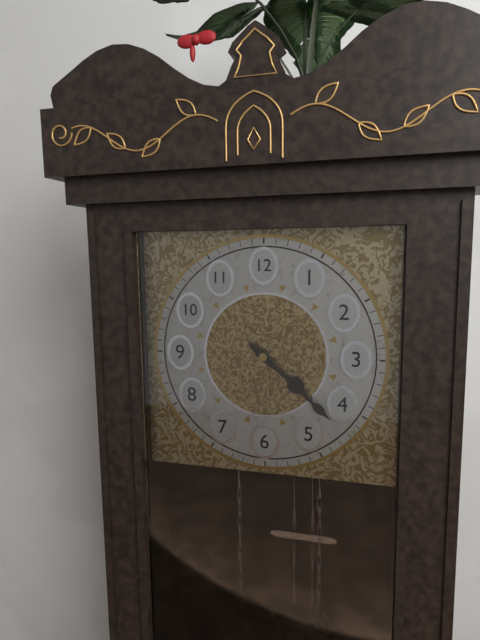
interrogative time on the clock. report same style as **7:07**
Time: **4:22**
